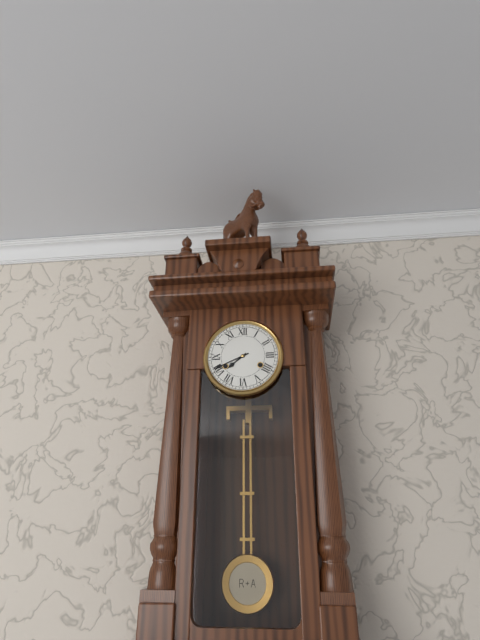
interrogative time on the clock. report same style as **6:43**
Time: **7:41**
